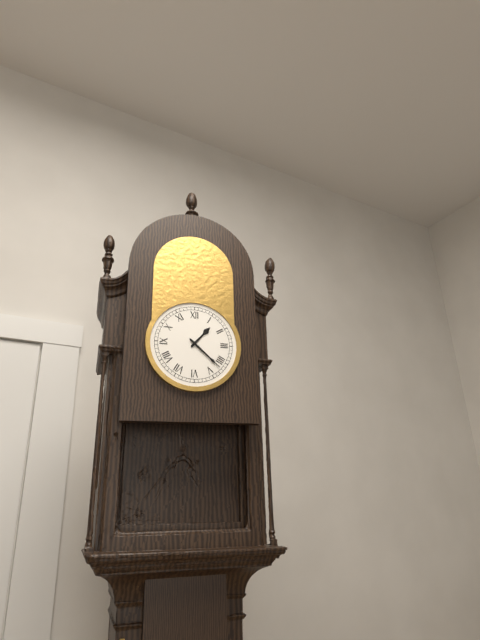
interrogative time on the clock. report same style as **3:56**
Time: **1:22**
